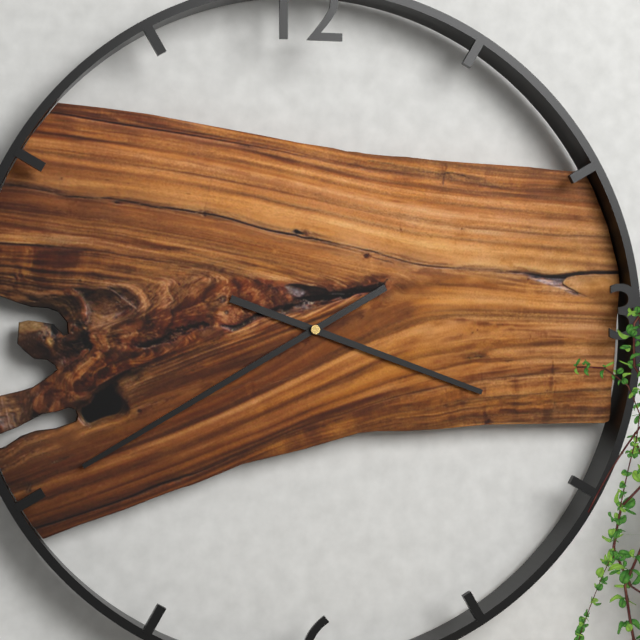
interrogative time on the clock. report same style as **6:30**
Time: **3:40**
